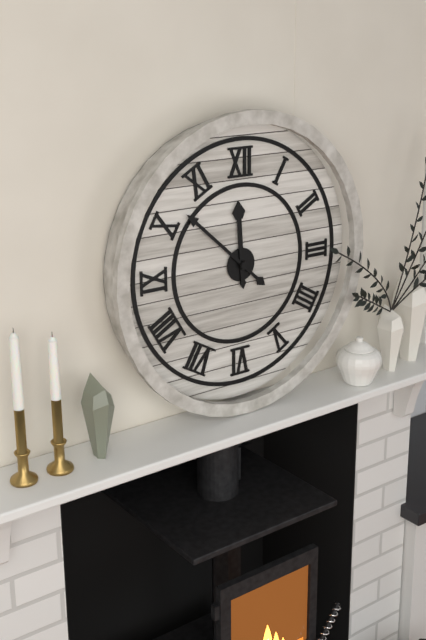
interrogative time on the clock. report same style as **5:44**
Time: **11:52**
